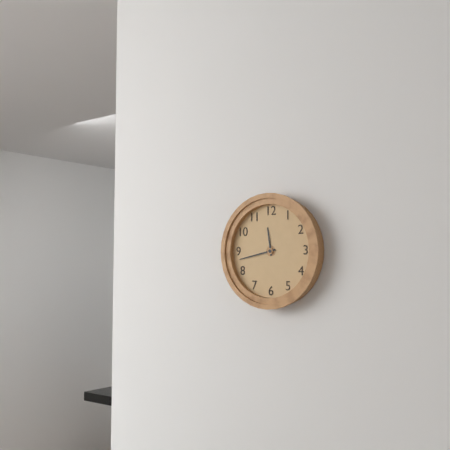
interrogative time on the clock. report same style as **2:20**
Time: **11:43**
